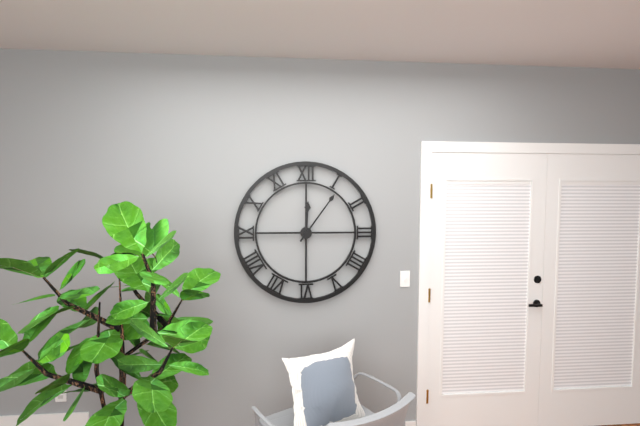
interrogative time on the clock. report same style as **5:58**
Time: **12:06**
